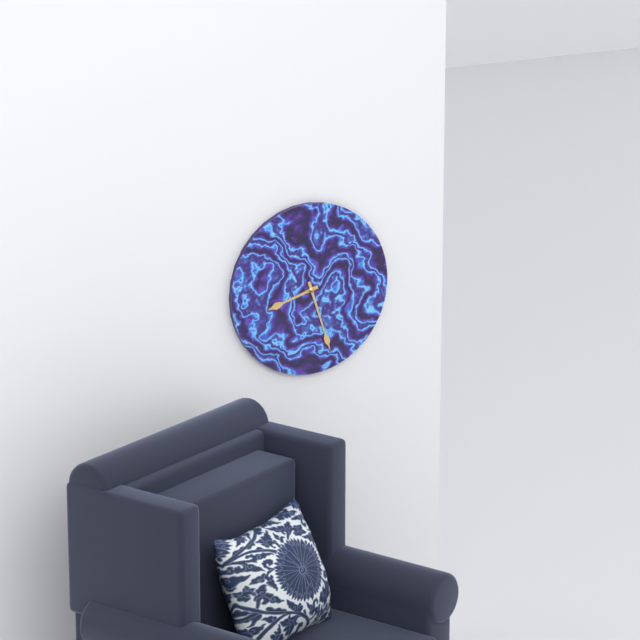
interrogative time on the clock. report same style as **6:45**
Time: **8:27**
